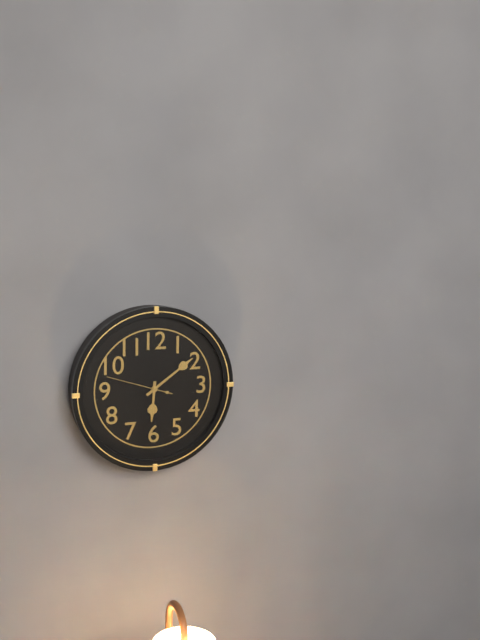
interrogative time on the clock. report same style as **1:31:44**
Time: **6:09:48**
